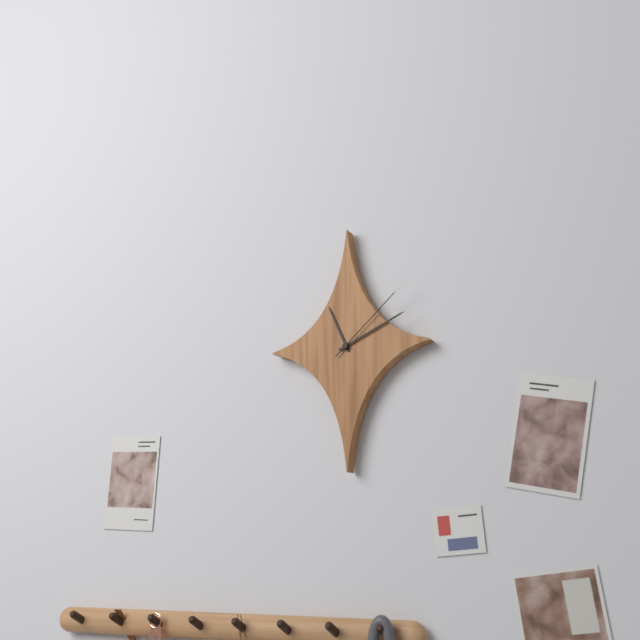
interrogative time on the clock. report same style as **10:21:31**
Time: **11:11:08**
